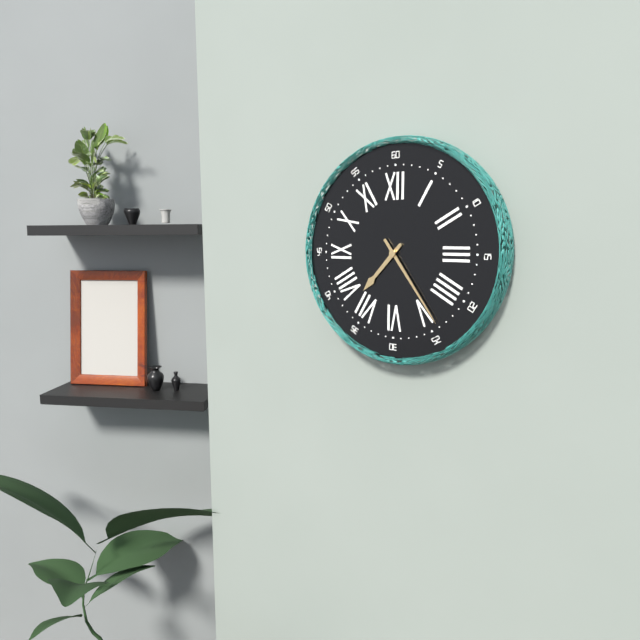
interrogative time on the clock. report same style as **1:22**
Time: **7:24**
